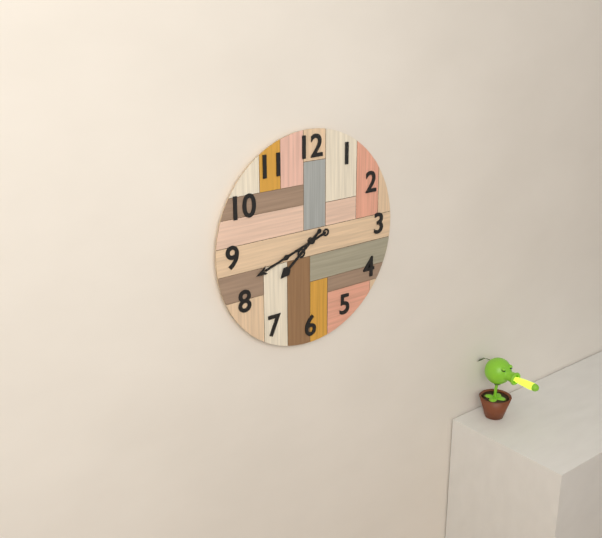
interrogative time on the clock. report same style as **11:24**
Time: **7:42**
